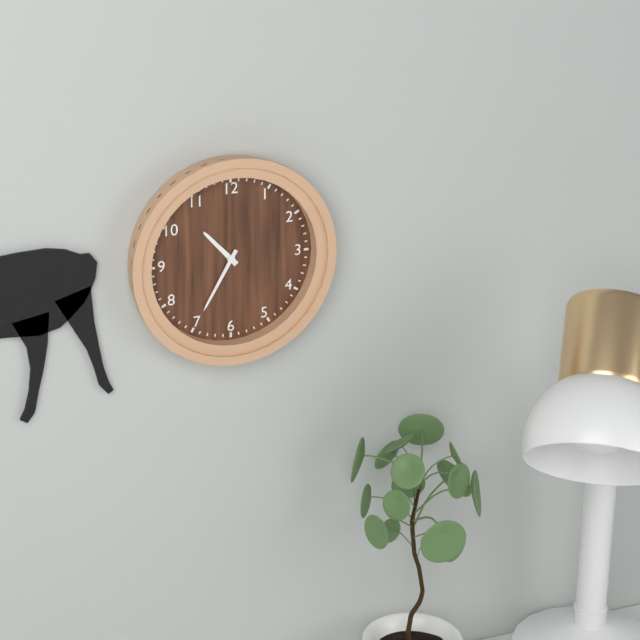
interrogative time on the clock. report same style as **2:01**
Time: **10:35**
